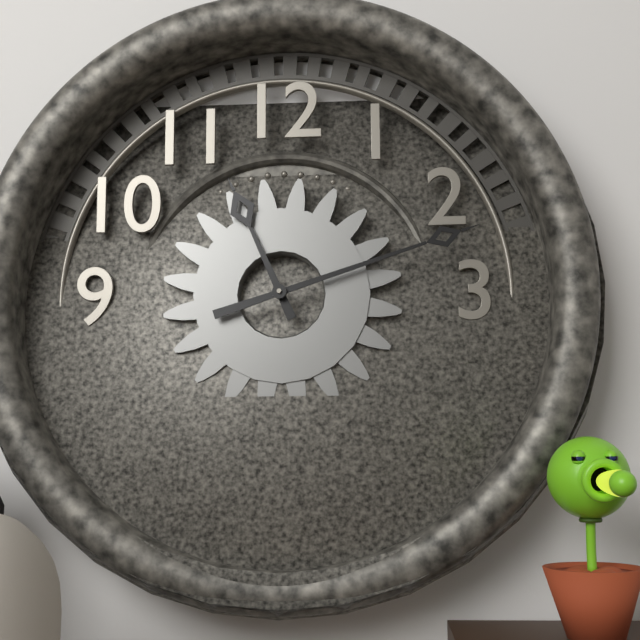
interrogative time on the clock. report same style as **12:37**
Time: **11:12**
